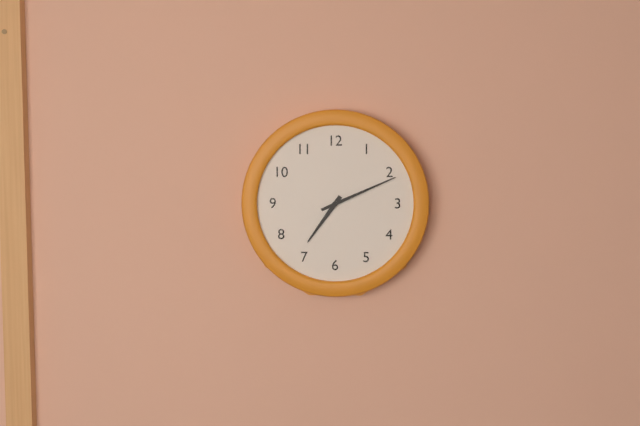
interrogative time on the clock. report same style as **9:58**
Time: **7:11**
